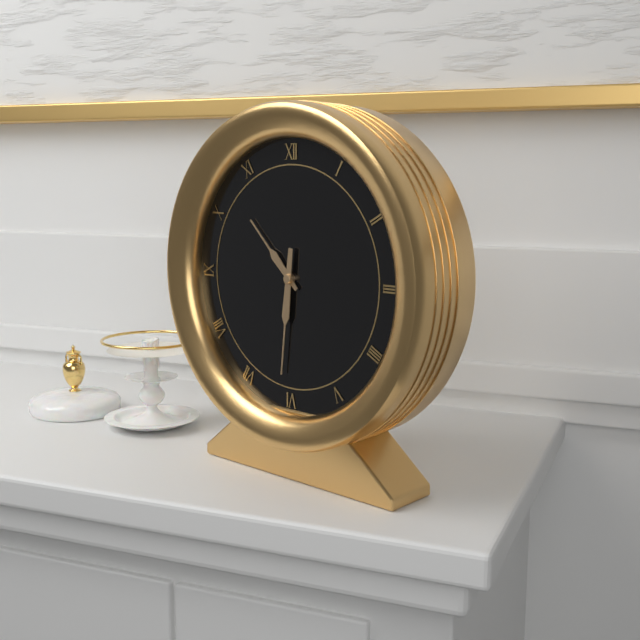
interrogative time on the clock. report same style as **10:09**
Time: **10:31**
